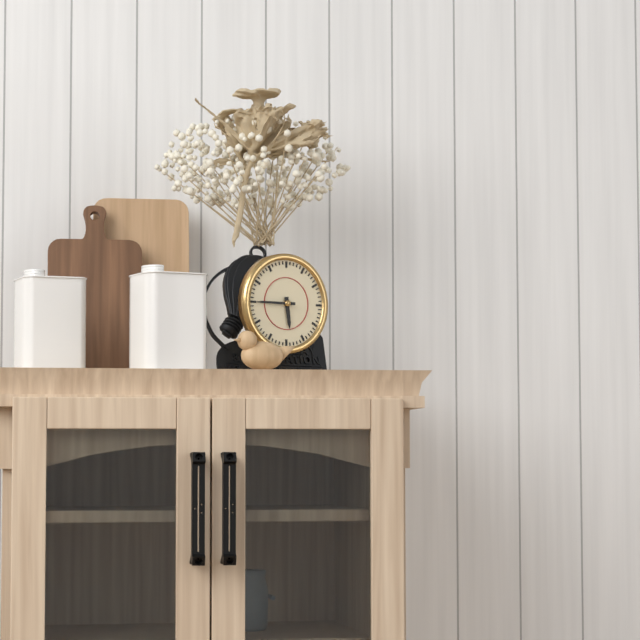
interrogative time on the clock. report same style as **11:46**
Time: **5:45**
